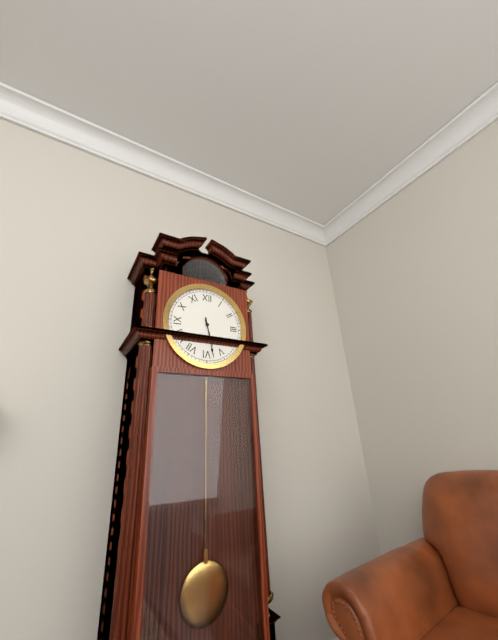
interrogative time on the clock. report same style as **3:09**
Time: **5:28**
